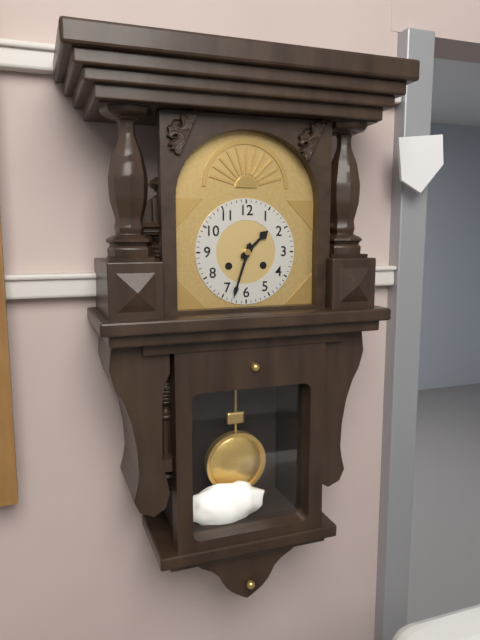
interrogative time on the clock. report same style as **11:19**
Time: **1:33**
